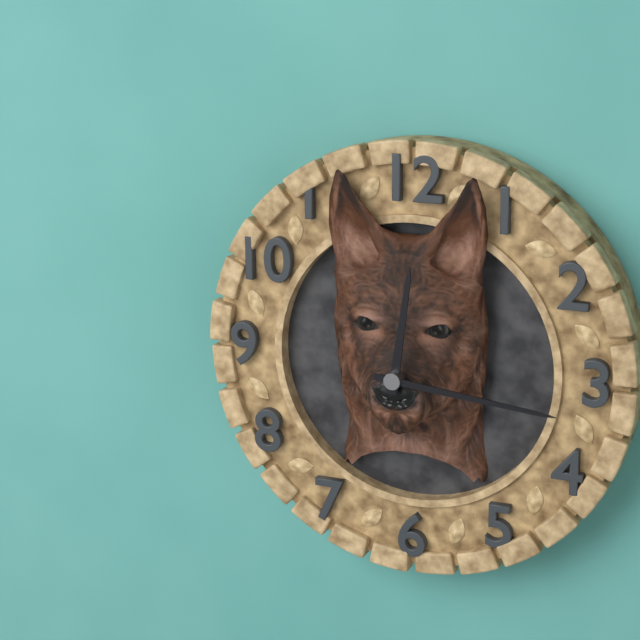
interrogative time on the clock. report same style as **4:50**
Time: **12:16**
